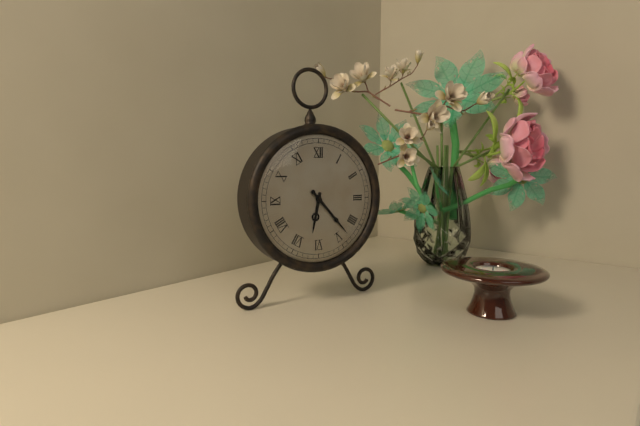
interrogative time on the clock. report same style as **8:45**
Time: **6:23**
